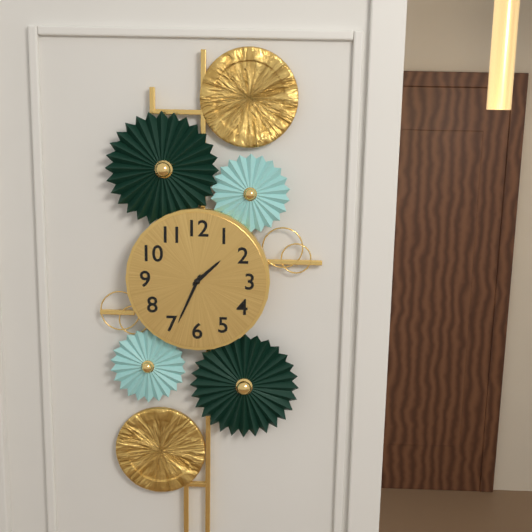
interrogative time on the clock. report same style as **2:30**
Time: **1:34**
